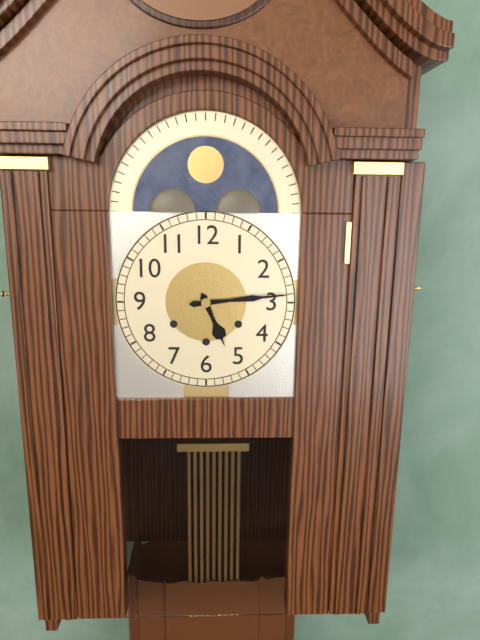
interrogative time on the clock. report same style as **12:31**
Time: **5:14**
